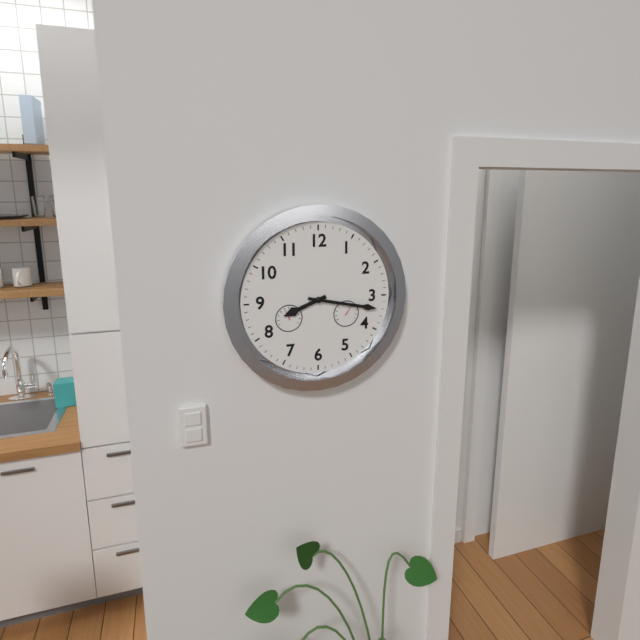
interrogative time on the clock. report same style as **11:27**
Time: **8:17**
